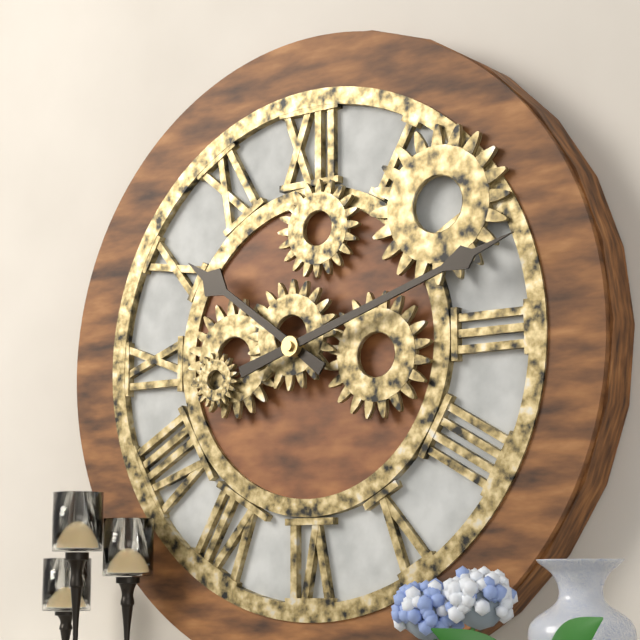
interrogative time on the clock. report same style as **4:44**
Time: **10:12**
